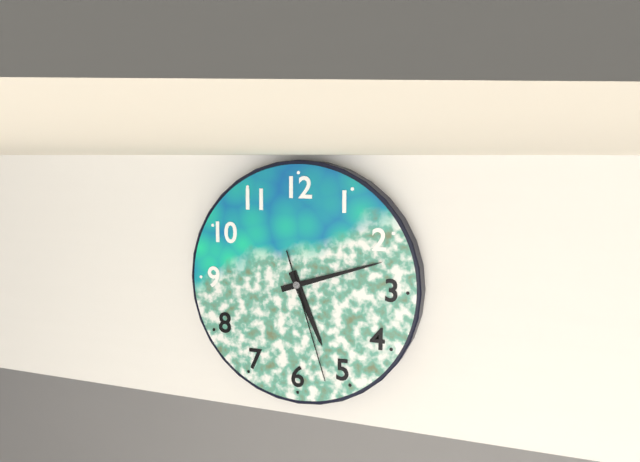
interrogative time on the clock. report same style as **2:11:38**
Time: **5:12:27**
